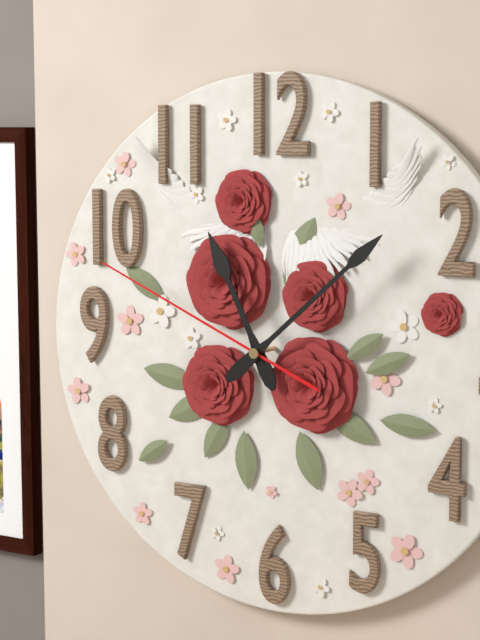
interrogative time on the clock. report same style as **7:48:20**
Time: **11:08:49**
